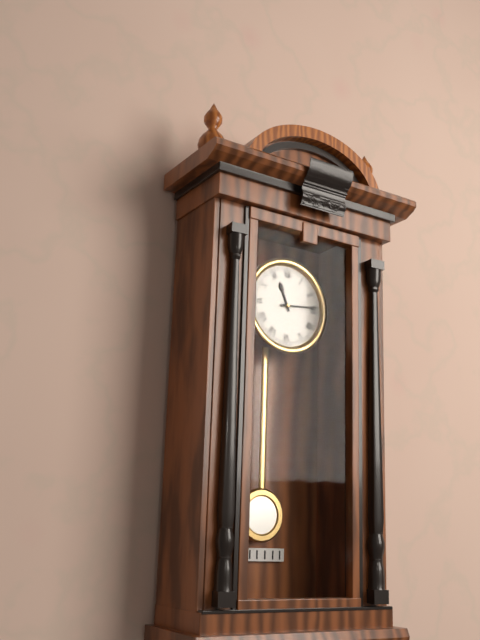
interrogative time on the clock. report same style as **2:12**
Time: **11:14**
